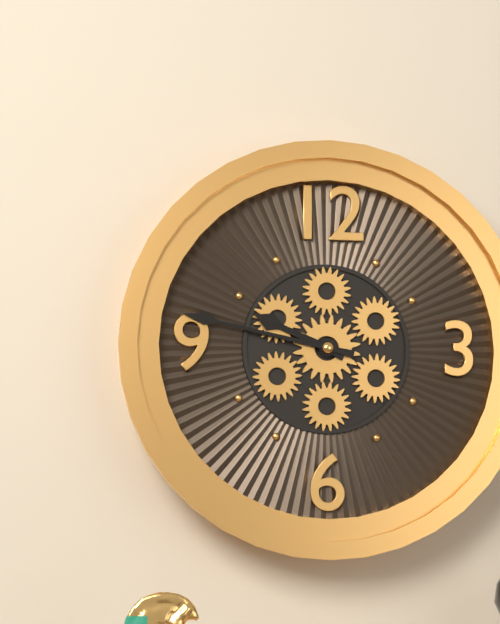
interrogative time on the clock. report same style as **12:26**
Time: **9:47**
